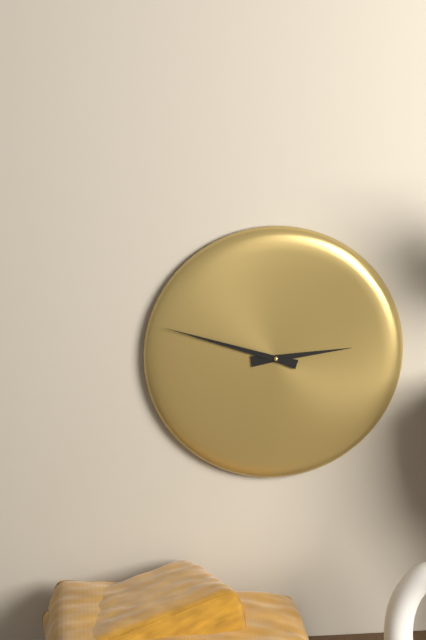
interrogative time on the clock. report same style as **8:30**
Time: **2:48**
